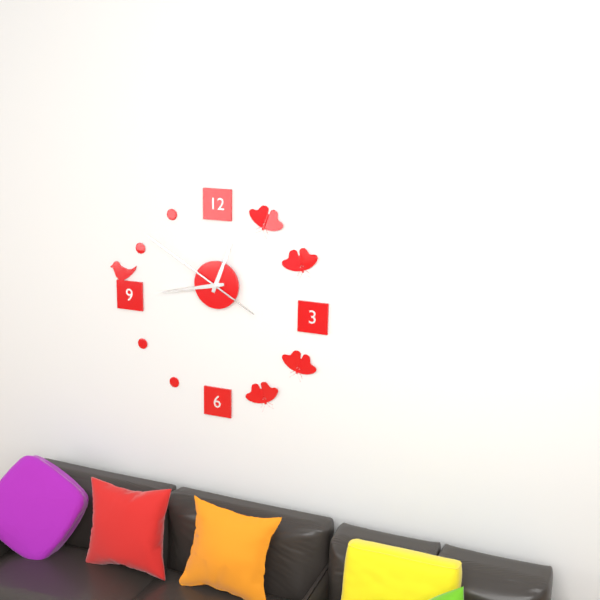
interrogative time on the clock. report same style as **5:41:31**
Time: **12:43:50**
